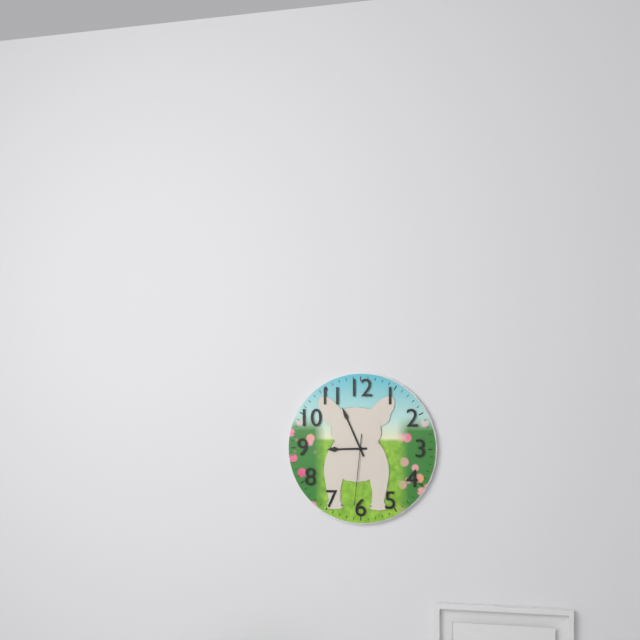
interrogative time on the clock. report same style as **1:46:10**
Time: **8:56:31**
